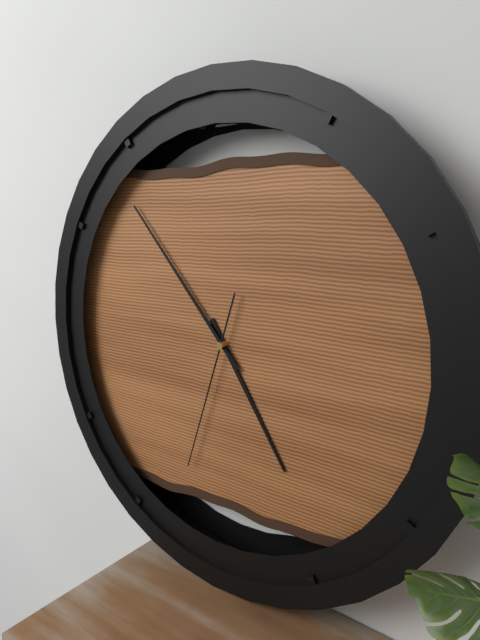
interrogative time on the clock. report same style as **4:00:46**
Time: **4:53:33**
